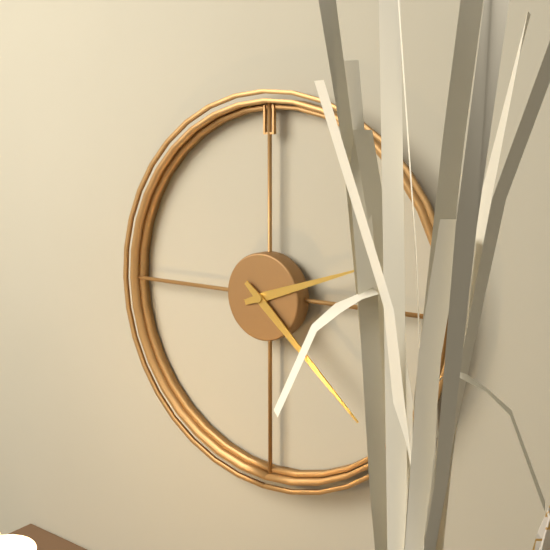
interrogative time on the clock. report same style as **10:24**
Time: **2:22**
